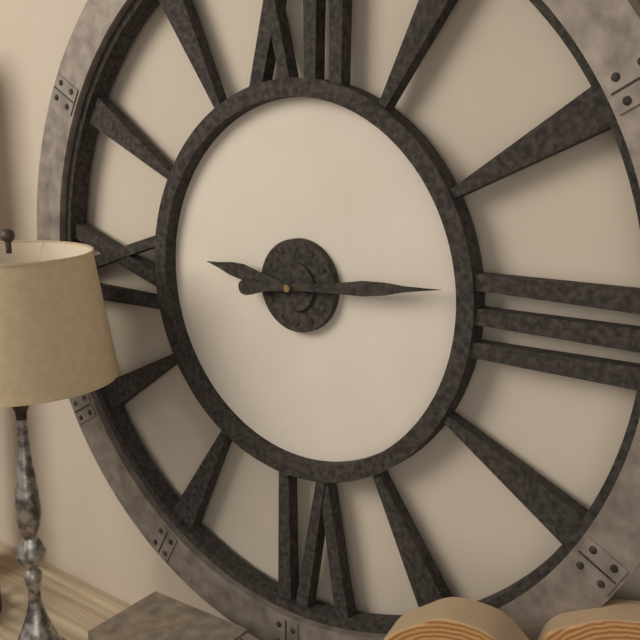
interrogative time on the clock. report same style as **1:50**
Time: **9:14**
